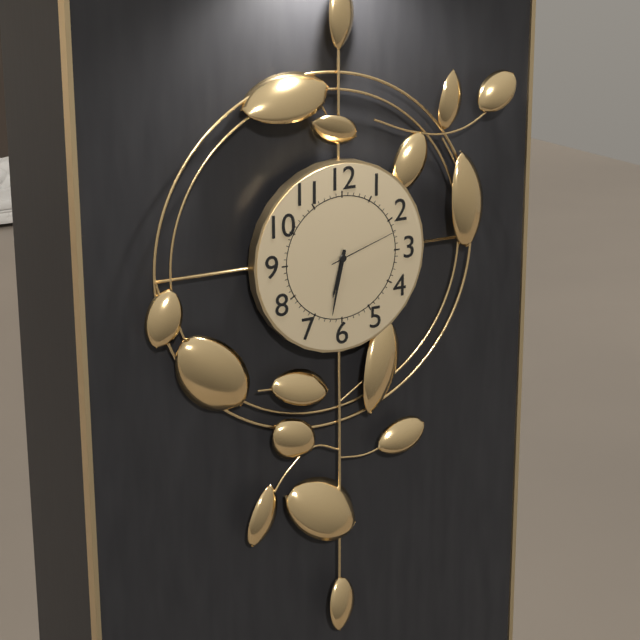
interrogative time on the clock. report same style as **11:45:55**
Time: **6:32:12**
